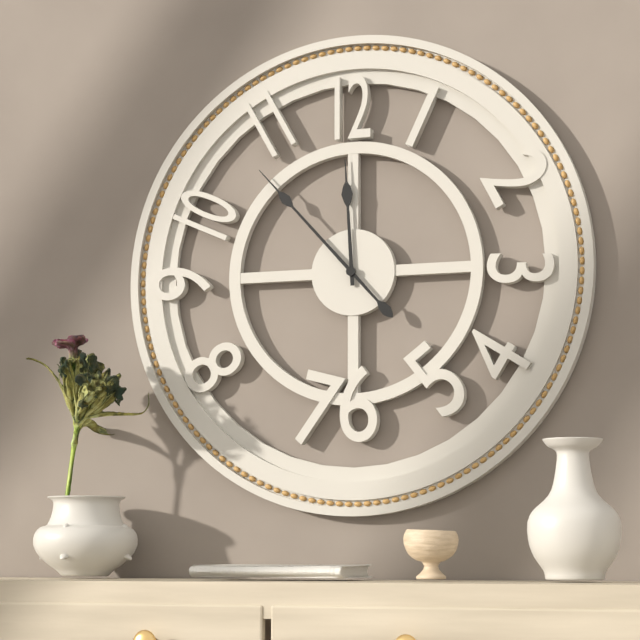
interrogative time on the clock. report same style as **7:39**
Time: **11:53**
